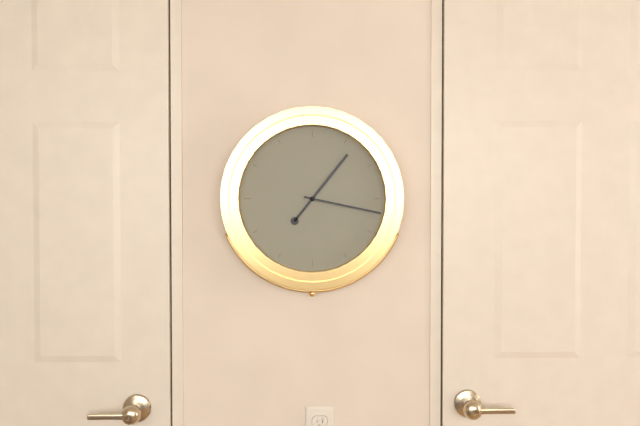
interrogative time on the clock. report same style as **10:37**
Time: **1:17**
